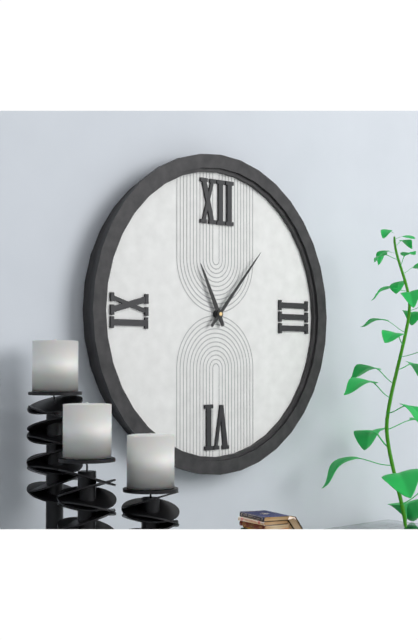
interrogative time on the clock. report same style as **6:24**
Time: **11:07**
